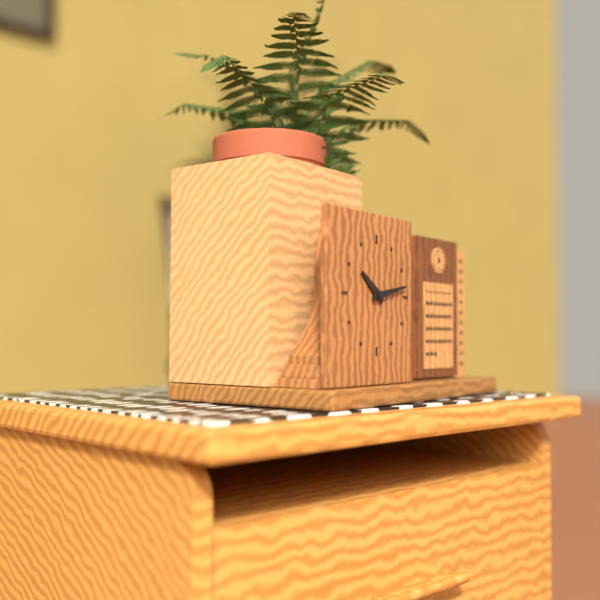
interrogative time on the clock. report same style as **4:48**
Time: **10:13**
